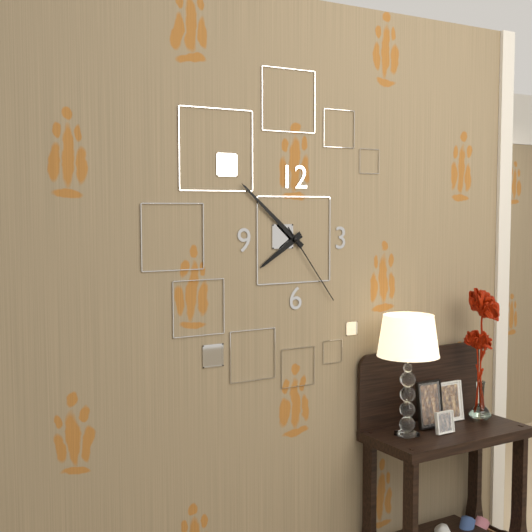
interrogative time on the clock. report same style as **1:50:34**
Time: **7:52:24**
